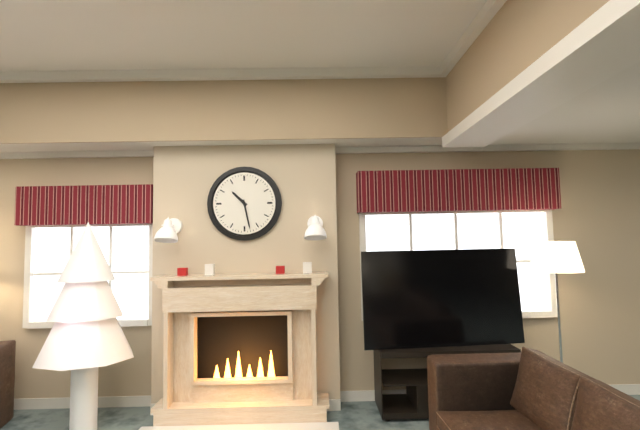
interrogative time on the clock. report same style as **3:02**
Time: **10:28**
